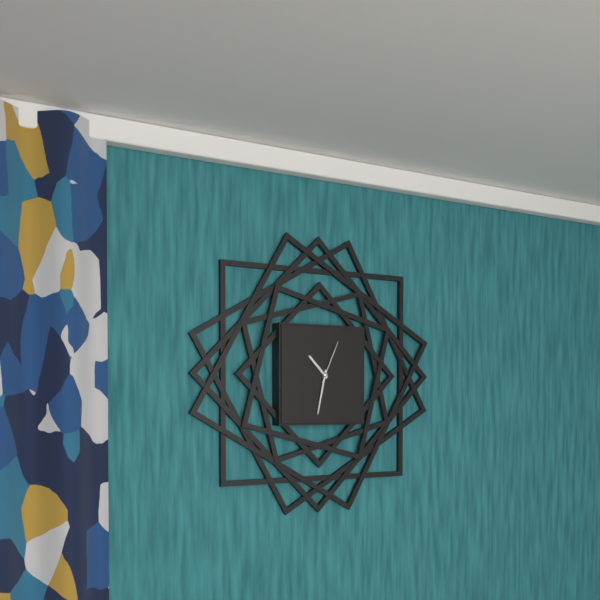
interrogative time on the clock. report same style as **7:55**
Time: **10:32**
